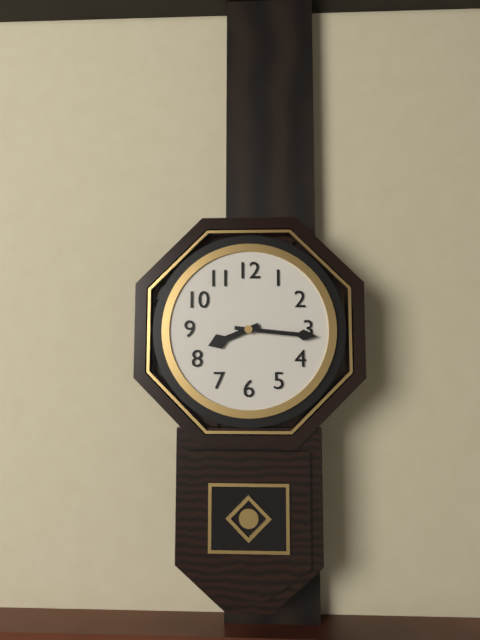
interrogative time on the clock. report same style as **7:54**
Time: **8:16**
